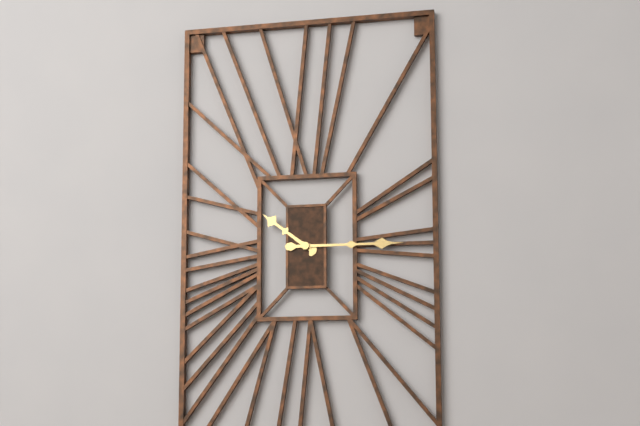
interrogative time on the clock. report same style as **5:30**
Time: **10:15**
